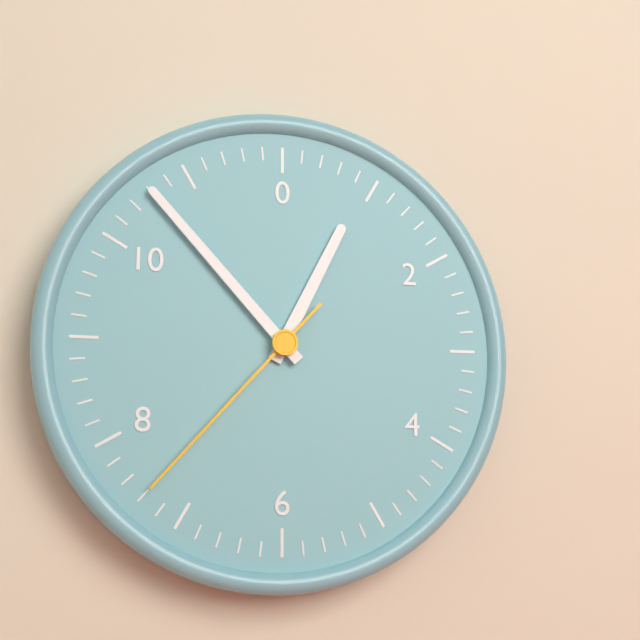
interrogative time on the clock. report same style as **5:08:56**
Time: **12:53:37**
